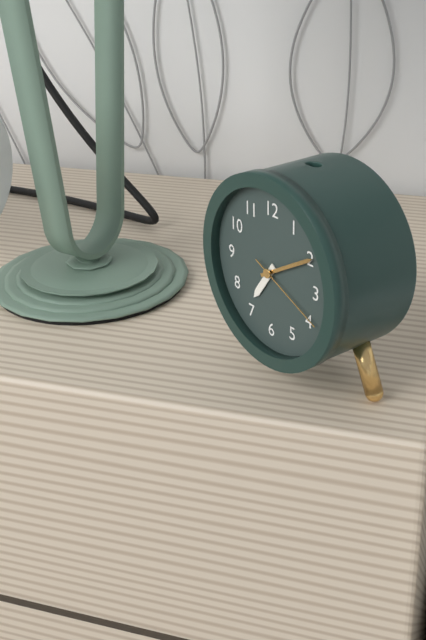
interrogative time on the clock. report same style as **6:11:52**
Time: **7:10:19**
